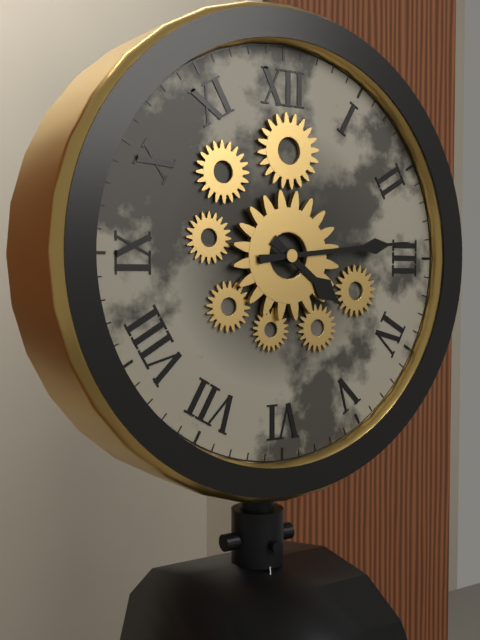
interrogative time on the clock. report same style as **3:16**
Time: **4:14**
